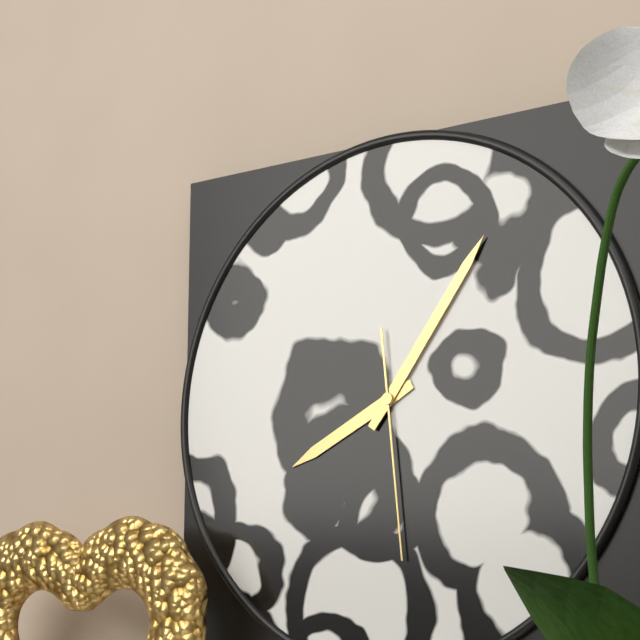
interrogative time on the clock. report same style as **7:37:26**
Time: **8:06:29**
